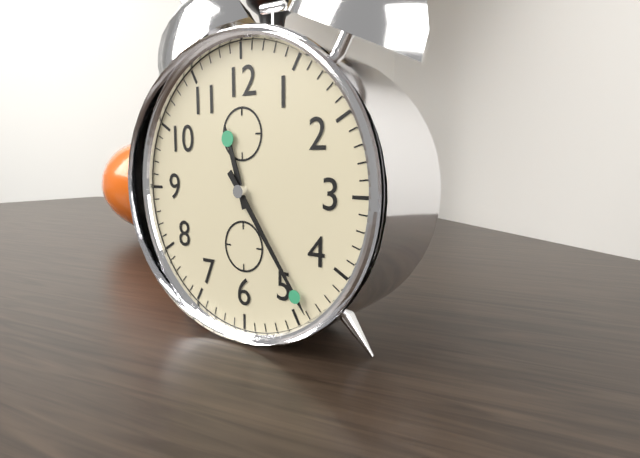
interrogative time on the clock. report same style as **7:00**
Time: **11:24**
